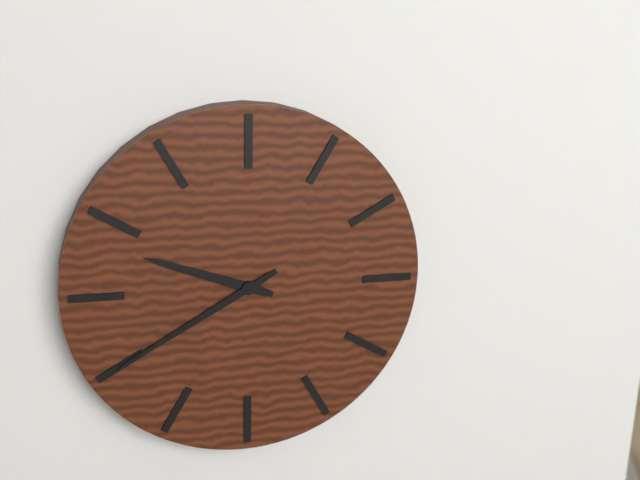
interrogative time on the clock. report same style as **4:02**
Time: **9:40**
